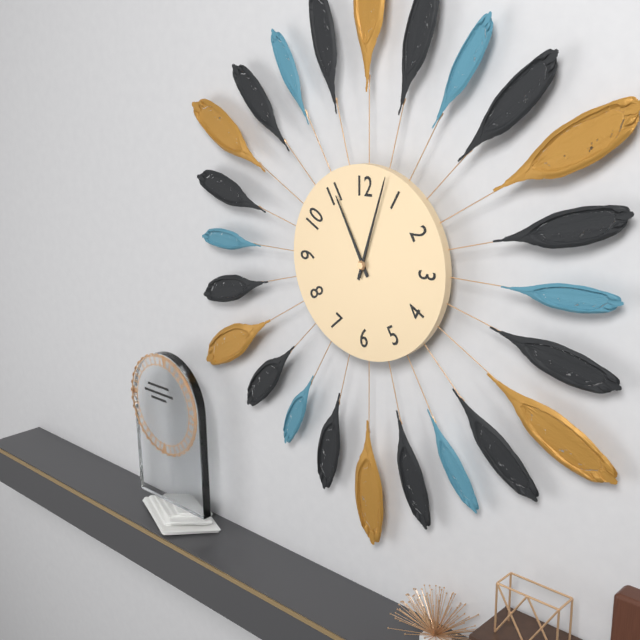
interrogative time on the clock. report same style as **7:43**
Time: **11:03**
